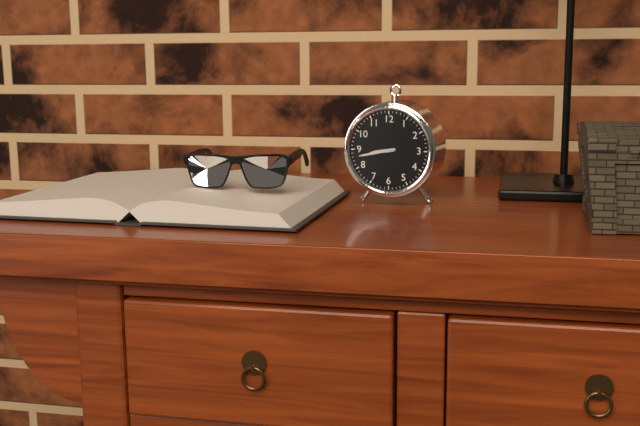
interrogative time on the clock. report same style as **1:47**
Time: **8:43**
